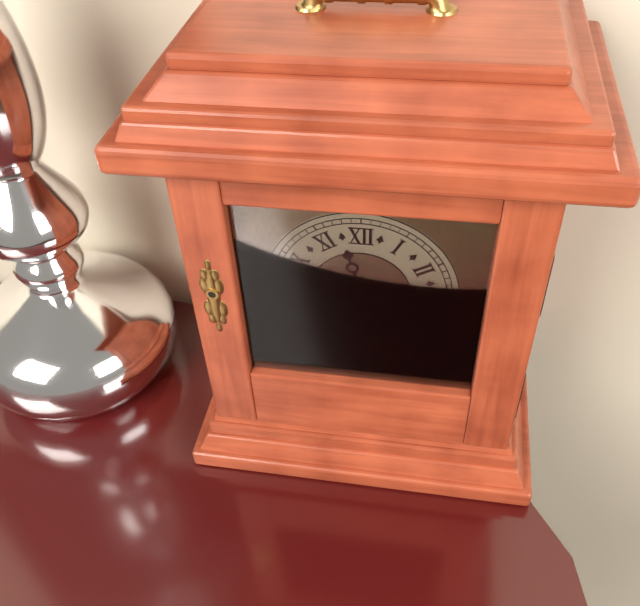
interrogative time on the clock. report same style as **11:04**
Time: **11:30**
